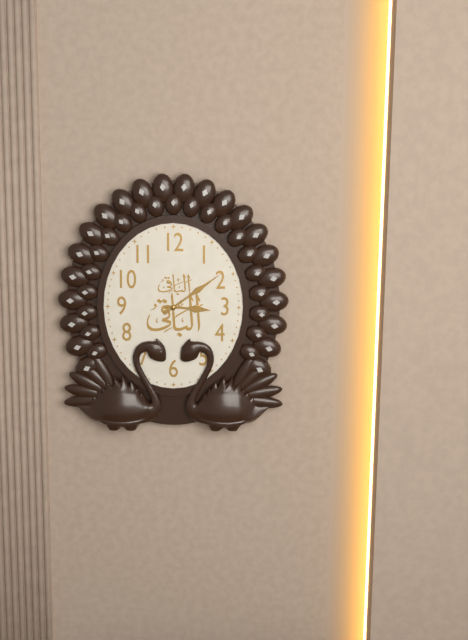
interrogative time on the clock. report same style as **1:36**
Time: **3:09**
